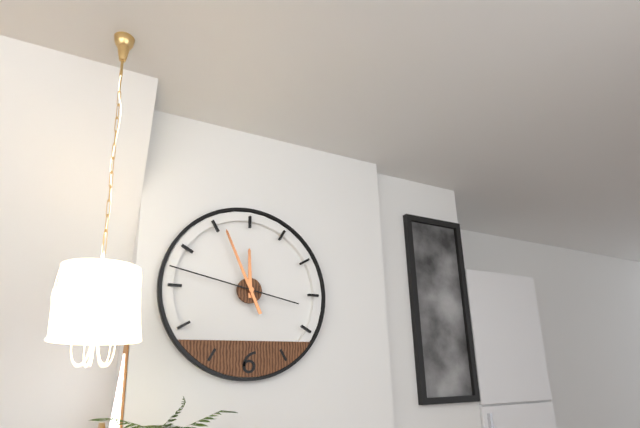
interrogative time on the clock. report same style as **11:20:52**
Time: **11:56:47**
